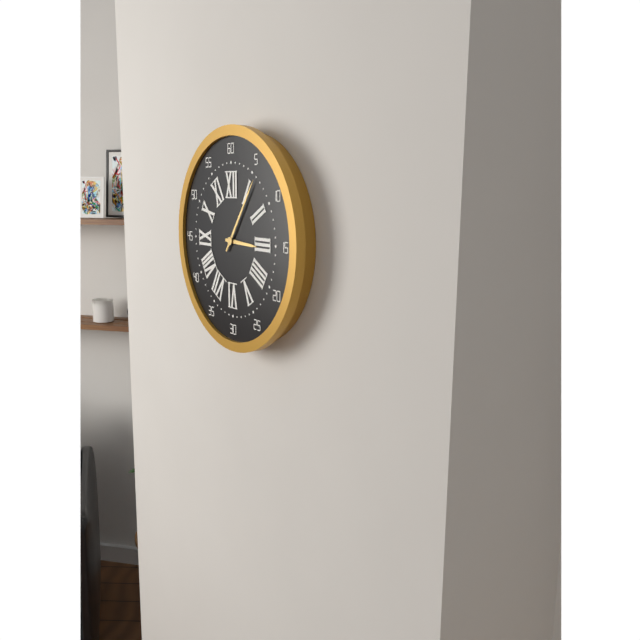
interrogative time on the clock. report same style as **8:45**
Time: **3:06**
